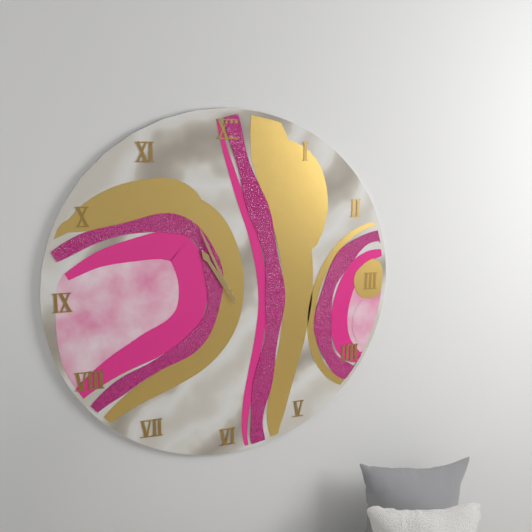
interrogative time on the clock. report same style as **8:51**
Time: **10:56**
